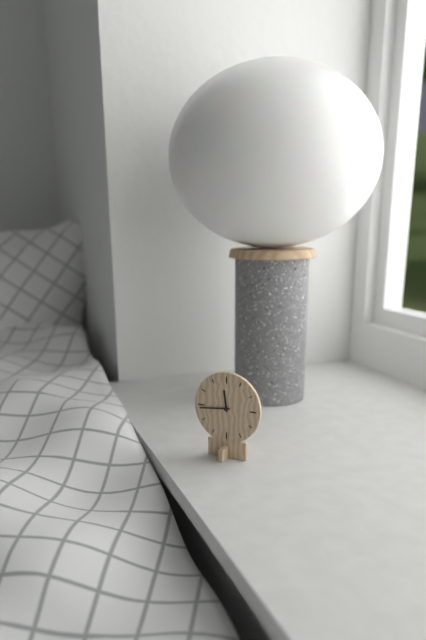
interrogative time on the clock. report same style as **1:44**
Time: **11:44**
